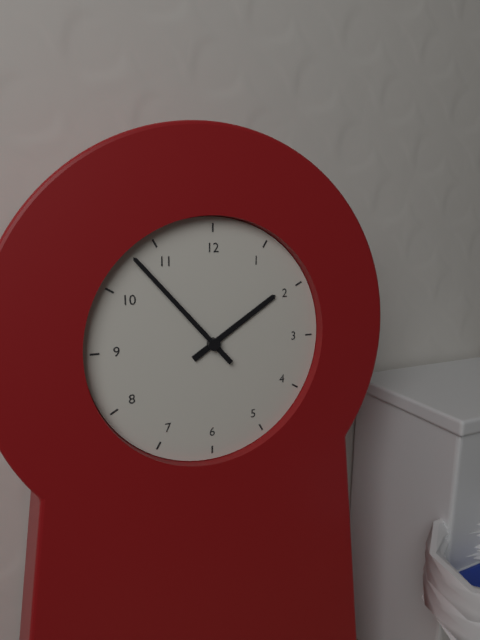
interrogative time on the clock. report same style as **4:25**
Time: **1:53**
